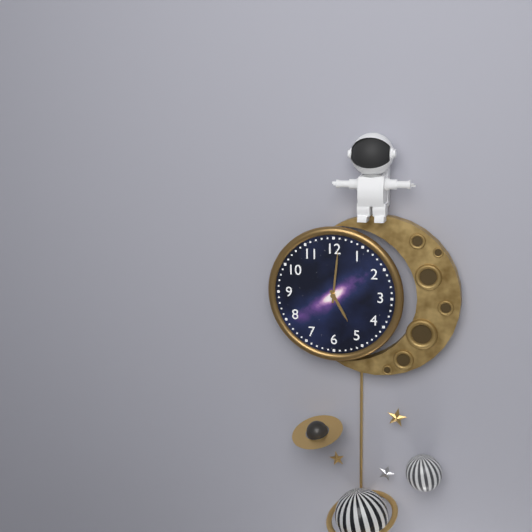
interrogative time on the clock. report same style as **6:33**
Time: **5:01**
